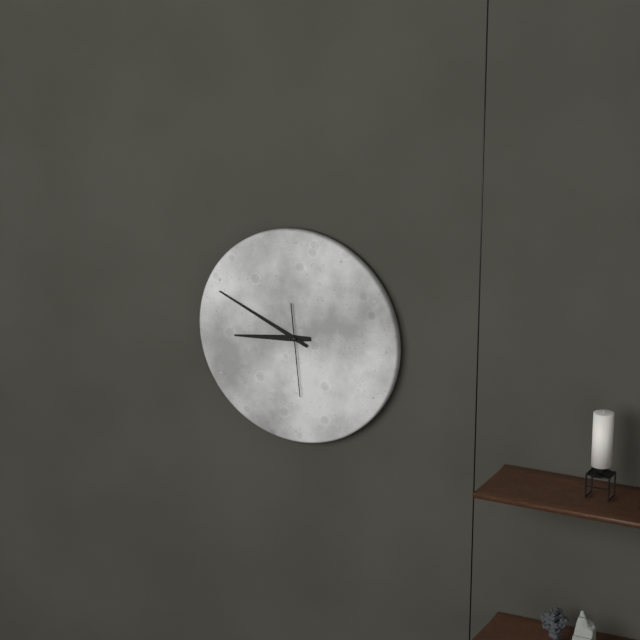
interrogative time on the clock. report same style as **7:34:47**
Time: **8:49:29**
